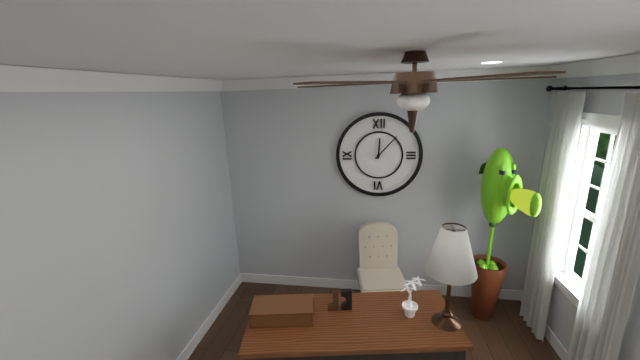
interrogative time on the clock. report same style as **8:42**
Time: **12:07**
